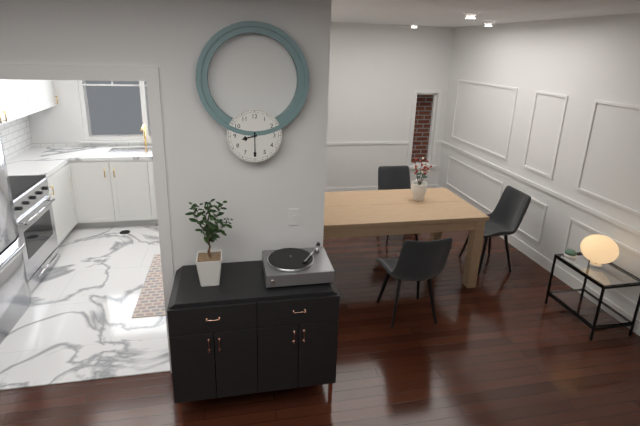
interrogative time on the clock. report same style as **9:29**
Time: **8:30**
